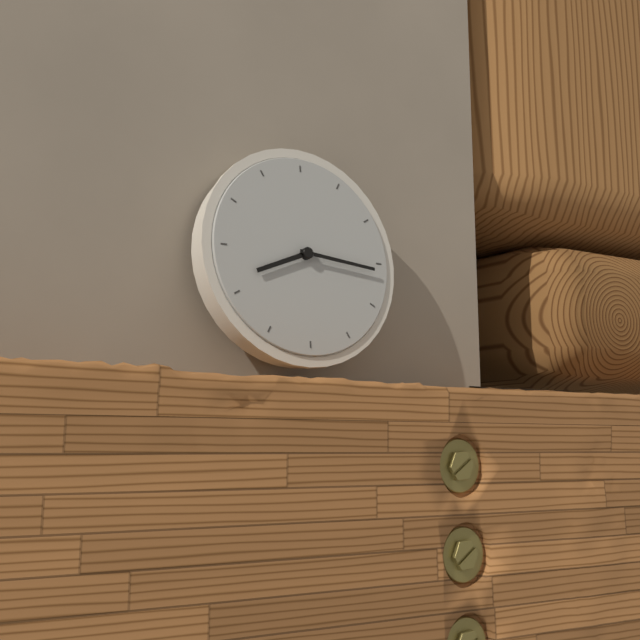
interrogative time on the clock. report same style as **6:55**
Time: **8:16**
